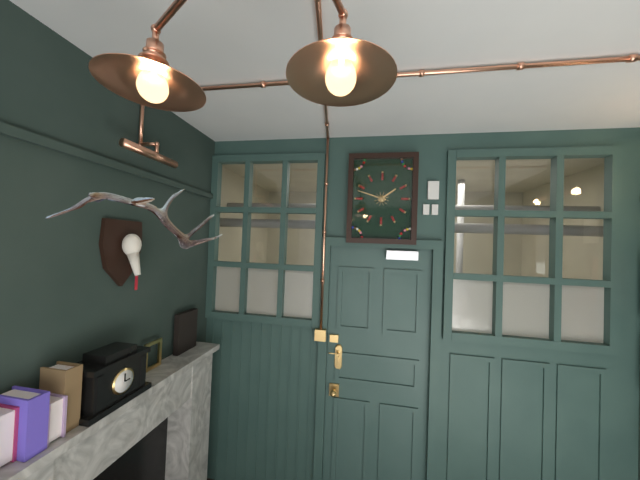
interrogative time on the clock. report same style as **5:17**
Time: **1:48**
